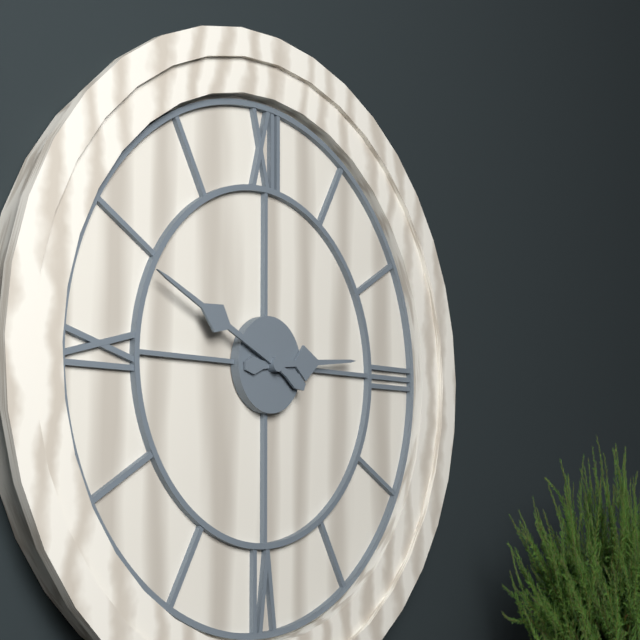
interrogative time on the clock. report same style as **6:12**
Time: **2:49**
